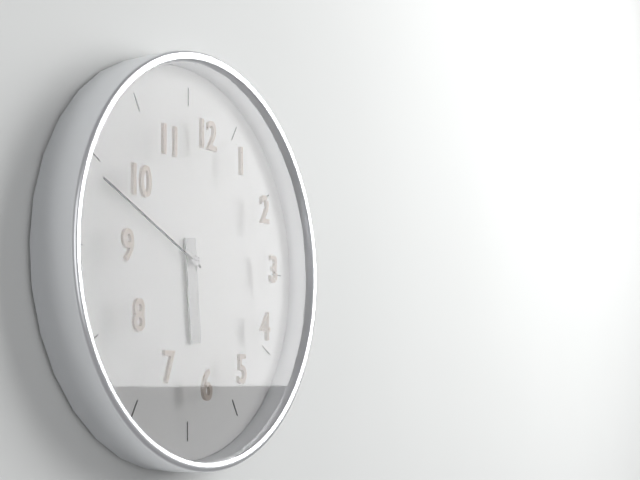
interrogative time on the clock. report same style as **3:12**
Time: **5:49**
